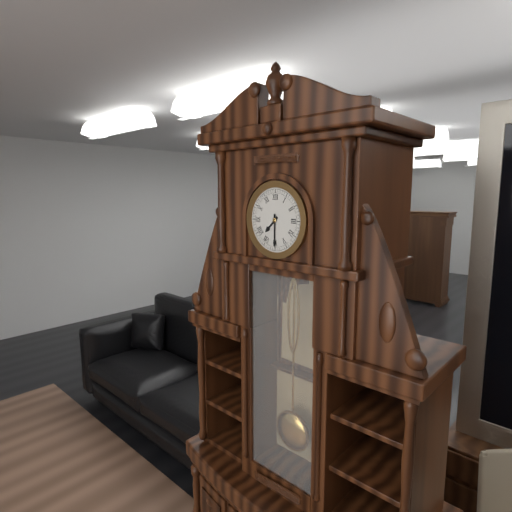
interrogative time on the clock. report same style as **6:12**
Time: **7:30**
